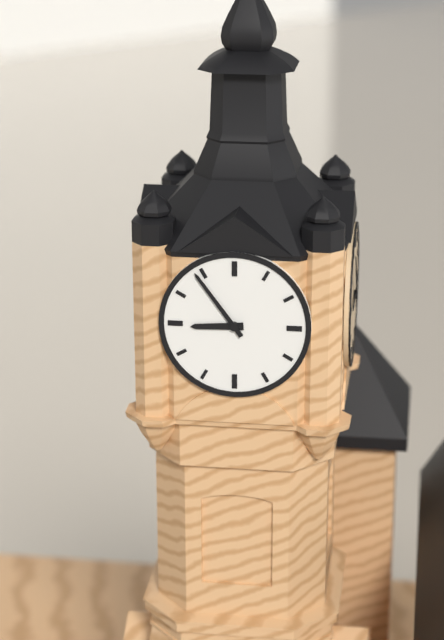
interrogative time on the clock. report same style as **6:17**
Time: **8:54**
